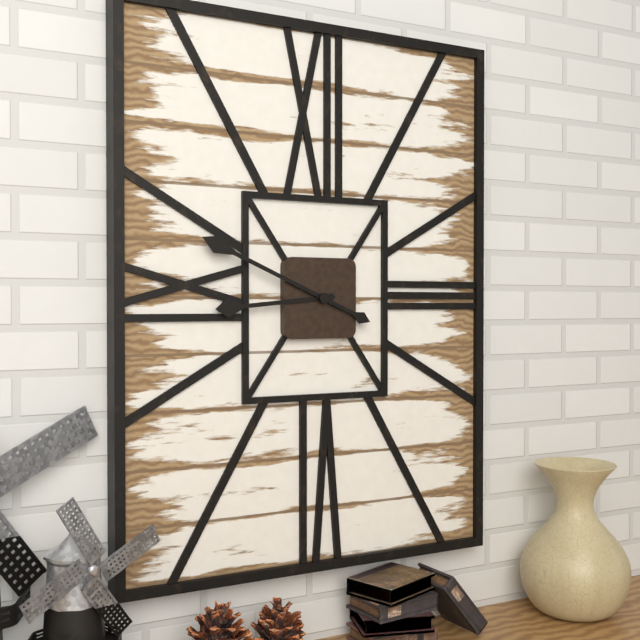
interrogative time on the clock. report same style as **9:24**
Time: **8:49**
